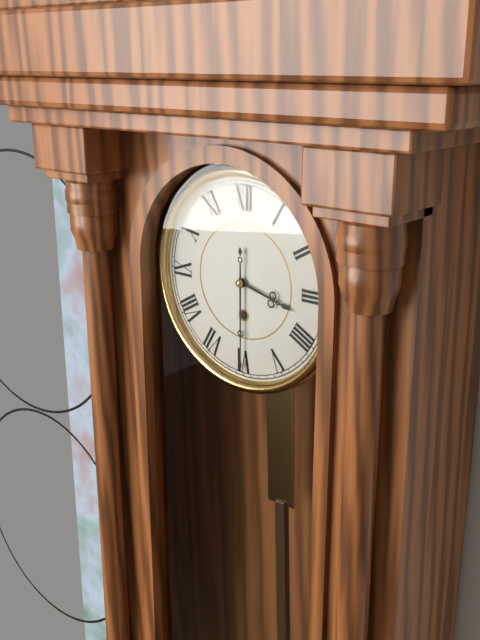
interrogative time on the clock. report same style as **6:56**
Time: **3:30**
